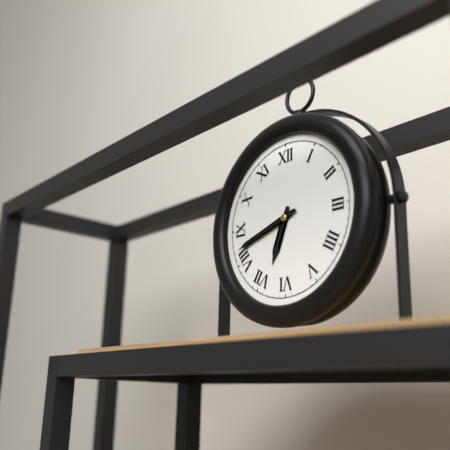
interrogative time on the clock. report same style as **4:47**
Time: **6:42**
